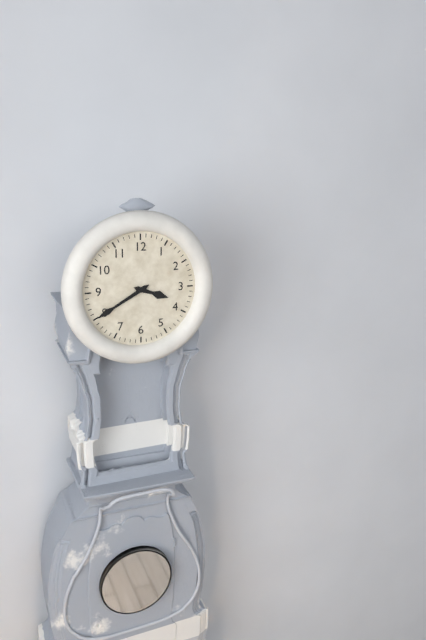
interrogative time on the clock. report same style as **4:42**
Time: **3:40**
